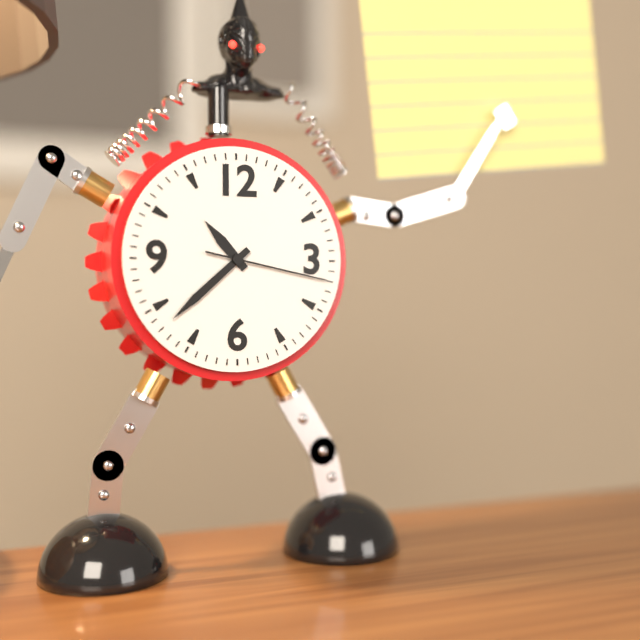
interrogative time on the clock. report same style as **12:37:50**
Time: **10:38:17**
